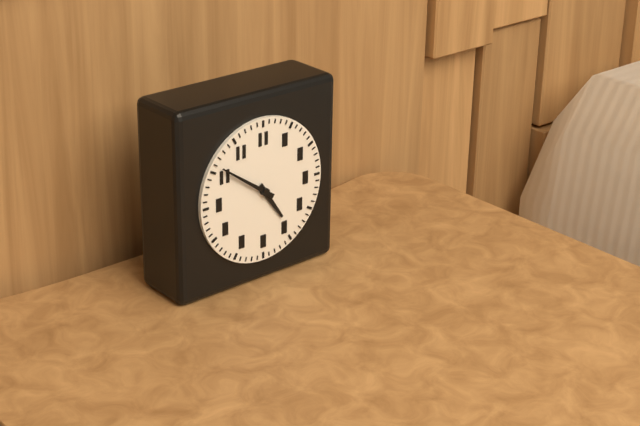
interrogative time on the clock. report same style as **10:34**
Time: **4:51**
